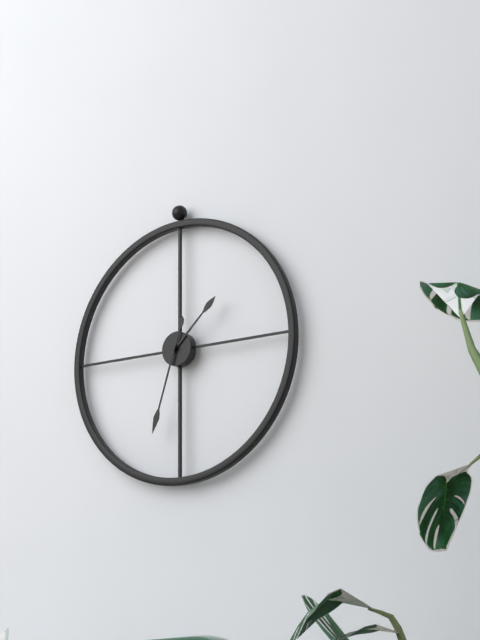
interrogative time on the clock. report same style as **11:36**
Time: **1:33**
